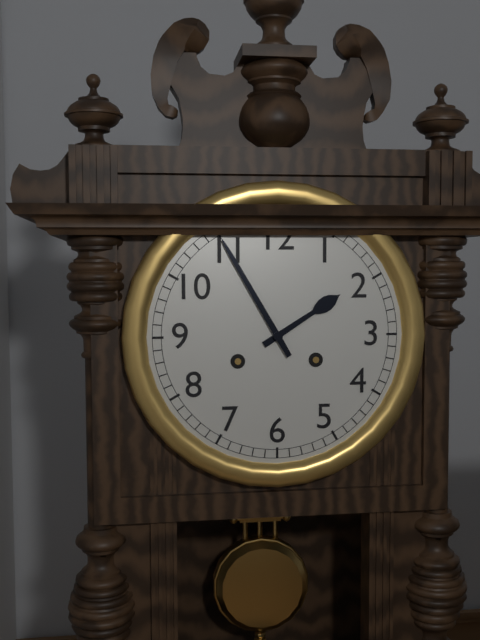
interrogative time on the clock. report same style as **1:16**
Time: **1:55**
